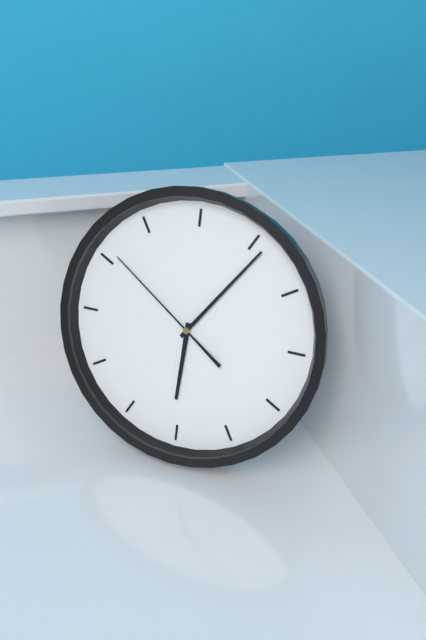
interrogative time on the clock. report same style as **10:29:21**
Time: **6:06:51**
